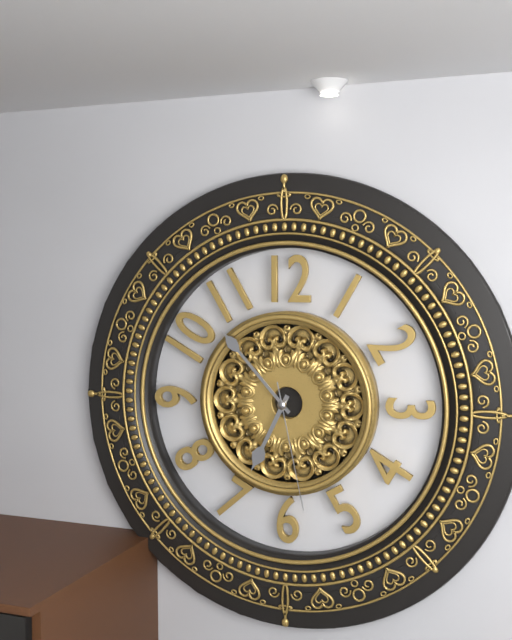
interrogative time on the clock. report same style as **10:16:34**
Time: **6:53:28**
